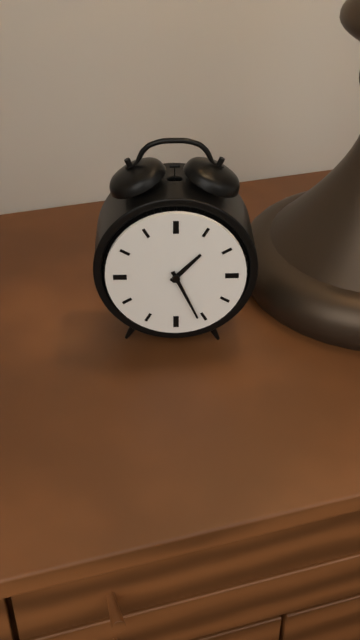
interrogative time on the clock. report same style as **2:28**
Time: **1:26**
